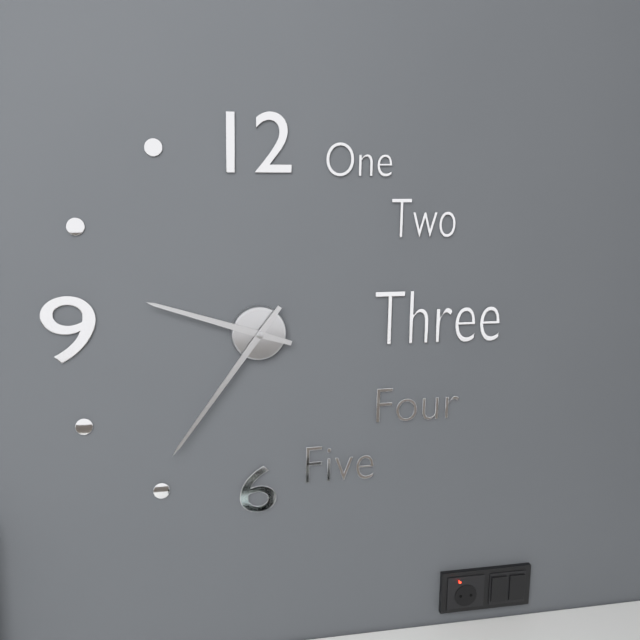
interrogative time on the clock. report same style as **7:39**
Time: **9:36**
